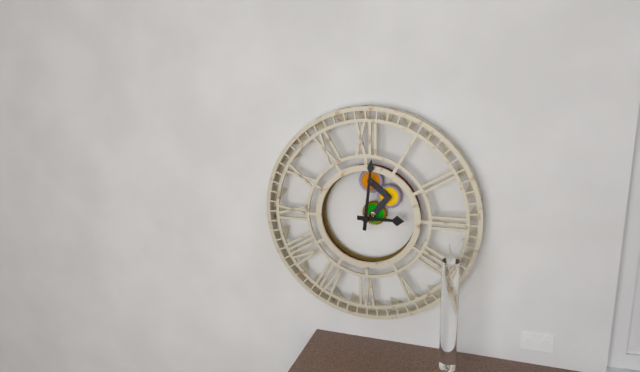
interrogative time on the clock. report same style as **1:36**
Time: **3:01**
